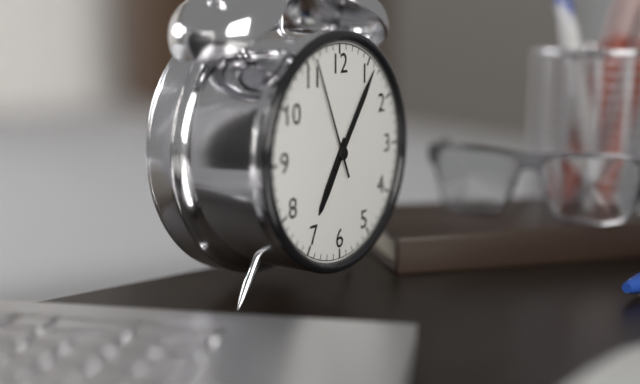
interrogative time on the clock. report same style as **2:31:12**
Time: **7:06:56**
